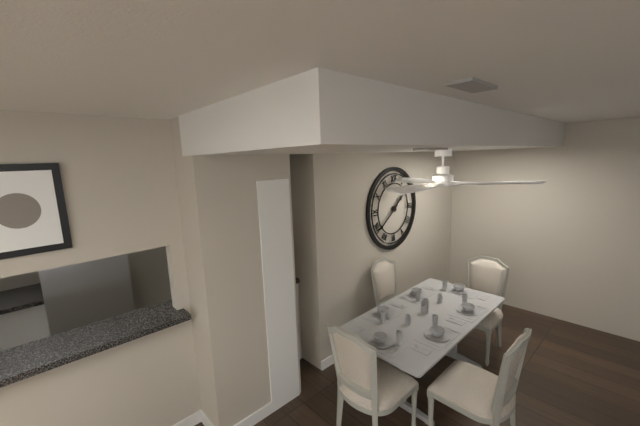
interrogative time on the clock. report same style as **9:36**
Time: **1:39**
